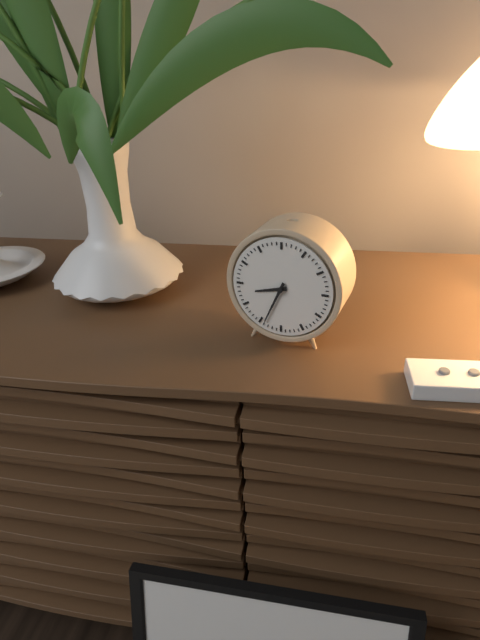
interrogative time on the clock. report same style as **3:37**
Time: **8:34**
